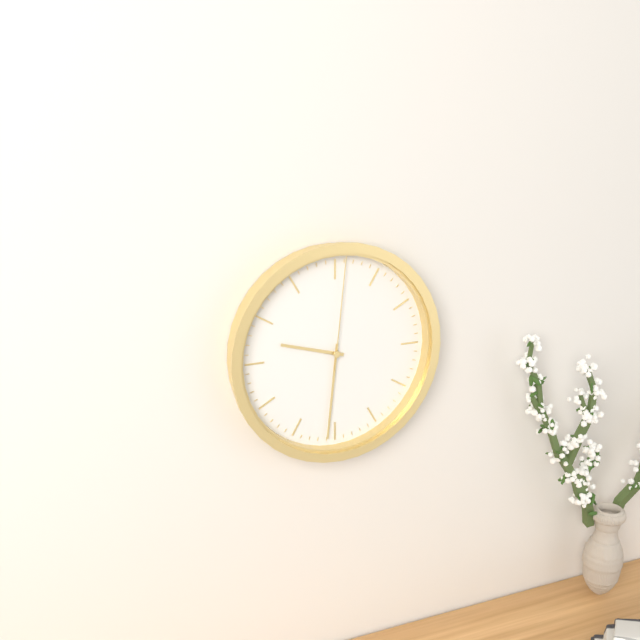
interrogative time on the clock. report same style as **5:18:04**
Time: **9:31:01**
